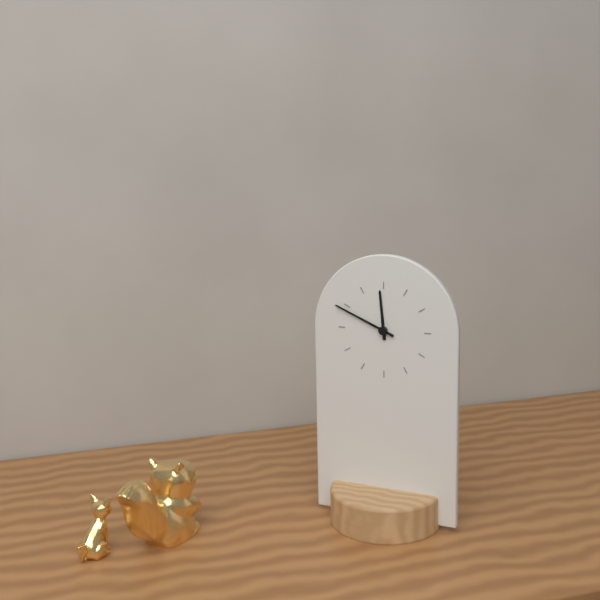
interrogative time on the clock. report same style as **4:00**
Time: **11:49**
